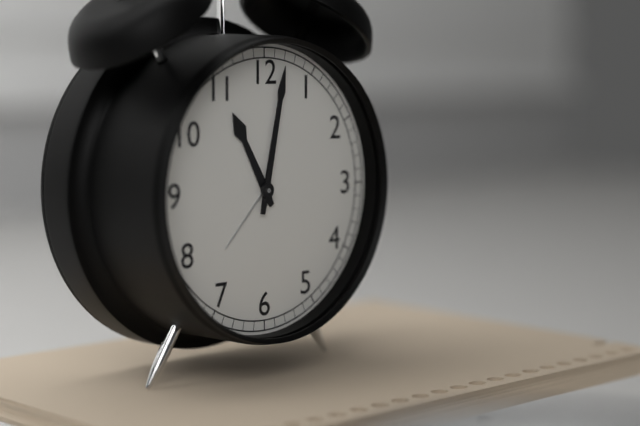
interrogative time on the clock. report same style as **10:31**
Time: **11:02**
